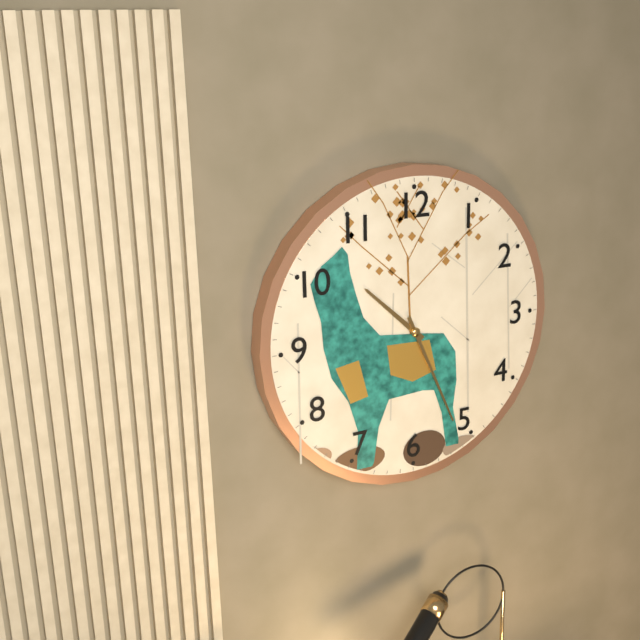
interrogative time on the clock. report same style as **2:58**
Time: **10:26**
